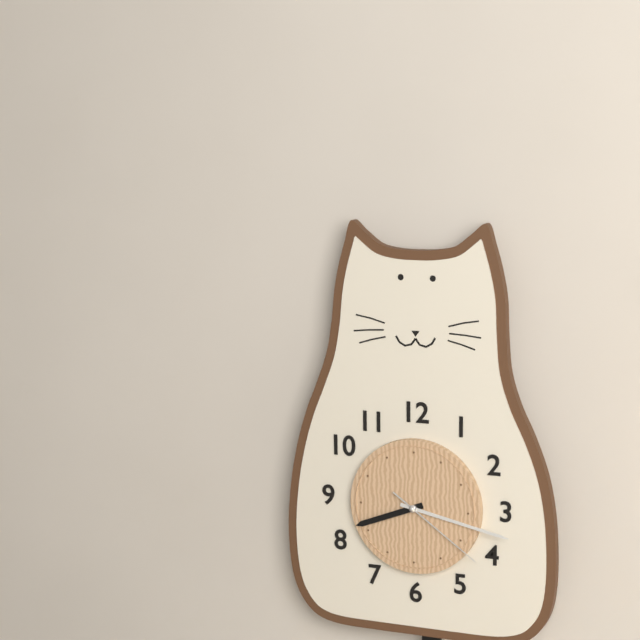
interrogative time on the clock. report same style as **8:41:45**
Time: **8:17:21**
